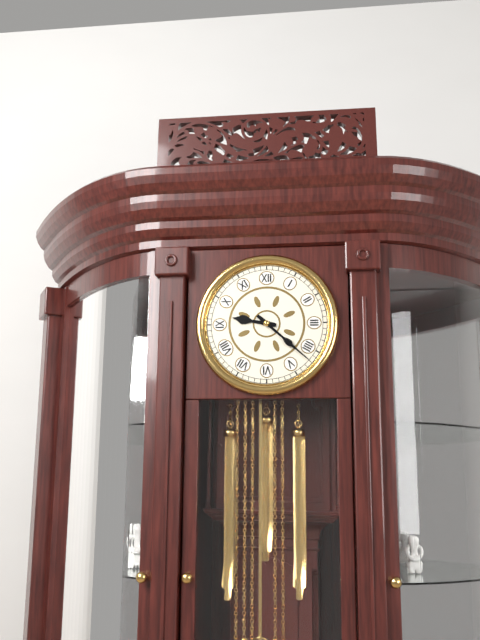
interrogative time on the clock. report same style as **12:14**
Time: **9:22**
